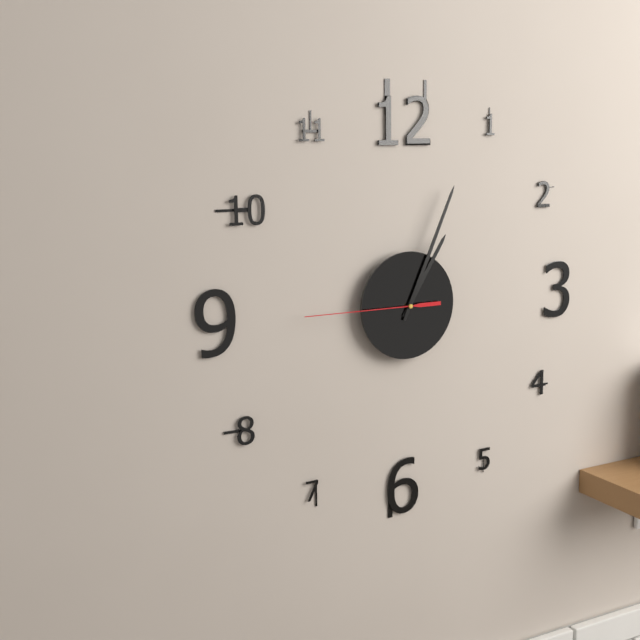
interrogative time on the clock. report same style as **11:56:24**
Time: **1:04:45**
